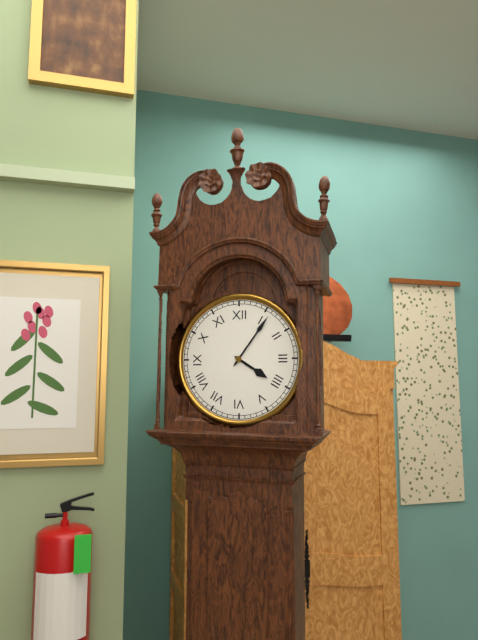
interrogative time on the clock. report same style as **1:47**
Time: **4:06**
